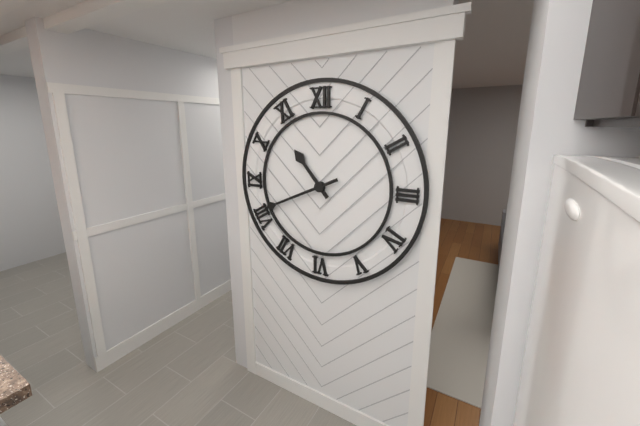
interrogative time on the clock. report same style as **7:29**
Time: **10:41**
